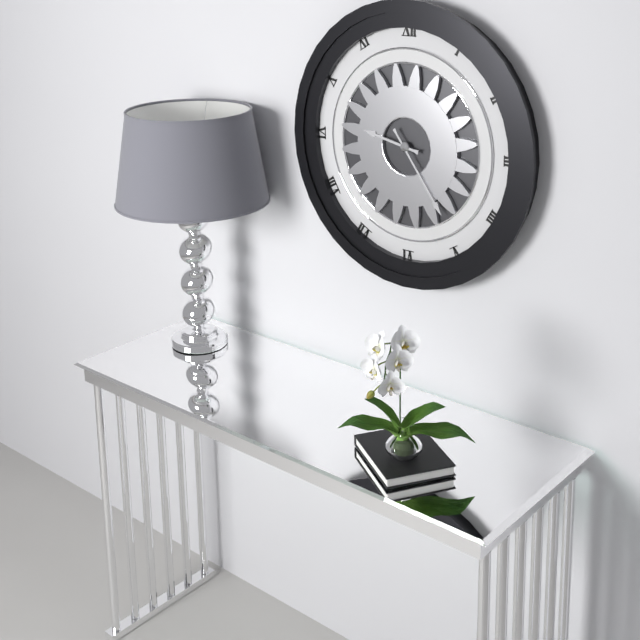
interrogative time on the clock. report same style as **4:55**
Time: **9:24**
